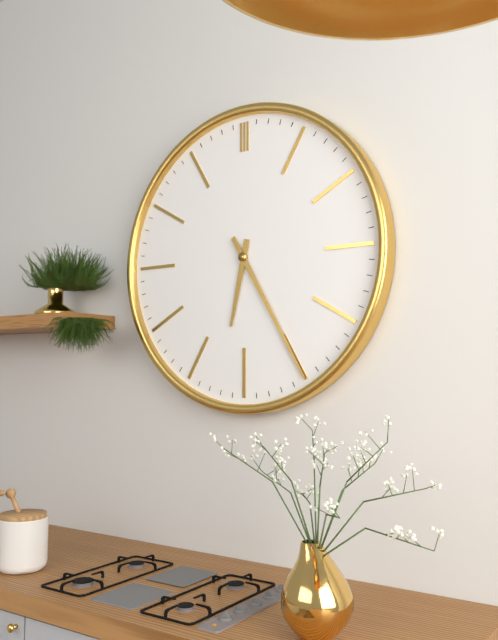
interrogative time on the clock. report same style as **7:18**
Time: **6:25**
